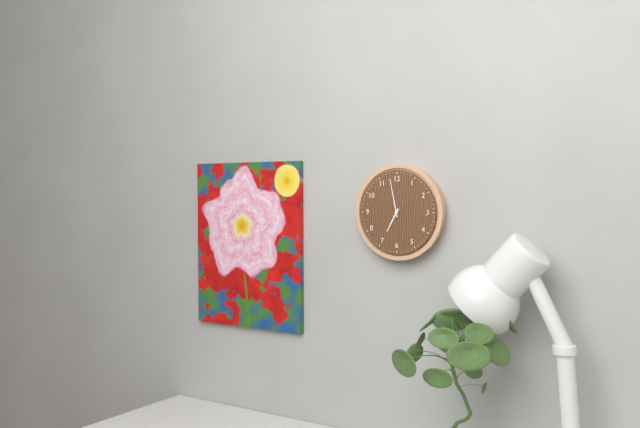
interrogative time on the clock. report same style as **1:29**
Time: **6:58**
